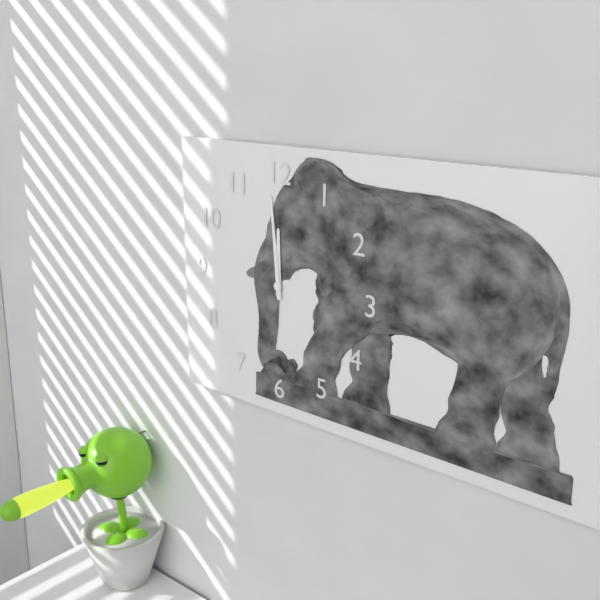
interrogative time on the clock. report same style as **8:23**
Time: **11:59**
